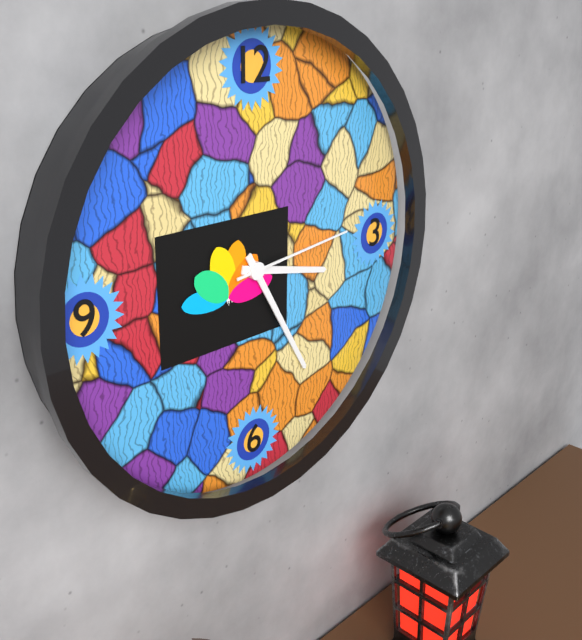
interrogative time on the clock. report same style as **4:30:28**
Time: **3:25:14**
